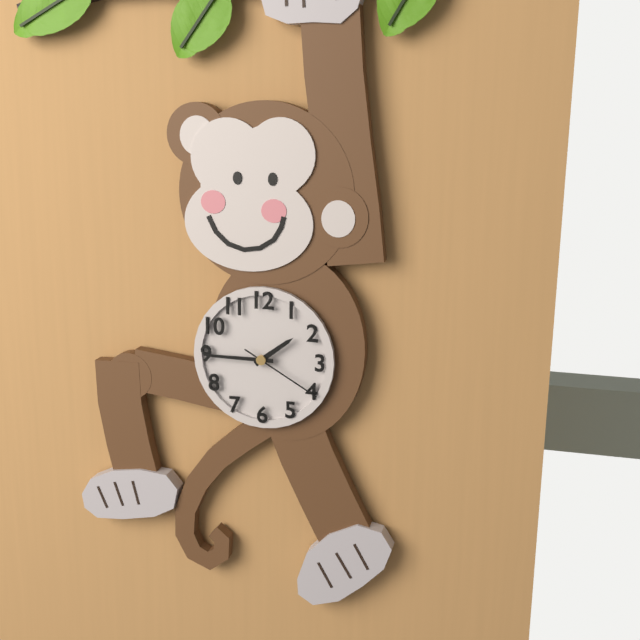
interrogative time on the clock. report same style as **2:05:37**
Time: **1:45:20**
